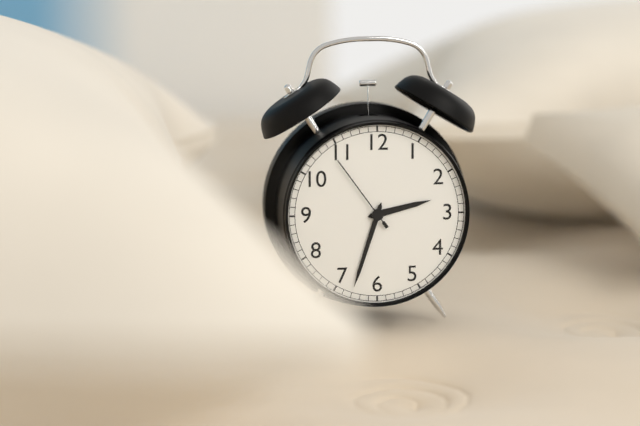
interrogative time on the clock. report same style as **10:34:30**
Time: **2:33:54**
